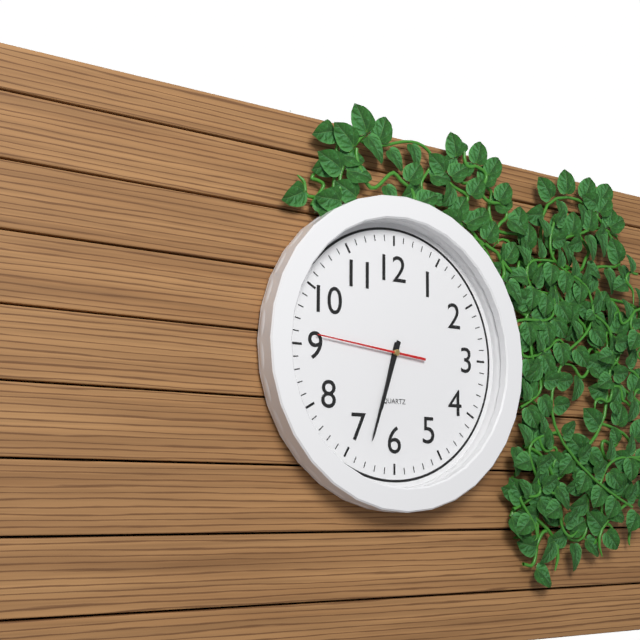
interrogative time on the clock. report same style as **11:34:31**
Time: **6:33:46**
